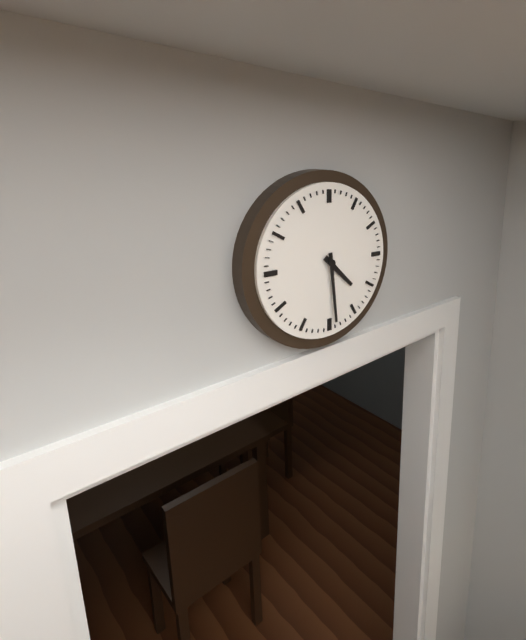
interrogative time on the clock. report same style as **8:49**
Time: **4:29**
